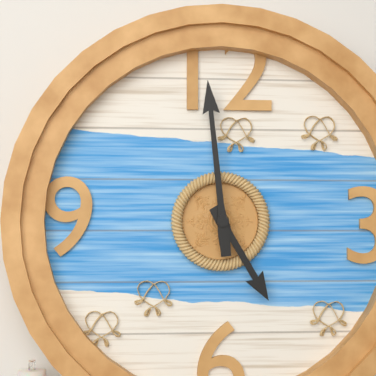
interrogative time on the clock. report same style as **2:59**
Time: **4:59**
